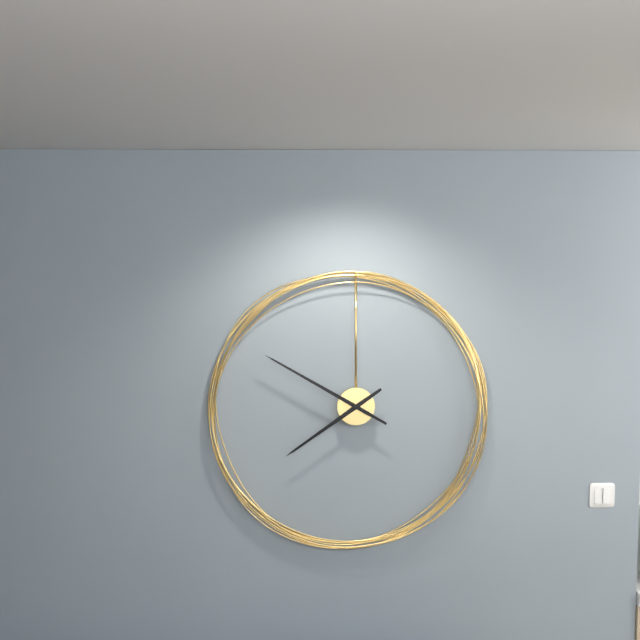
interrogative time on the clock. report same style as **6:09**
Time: **7:50**
